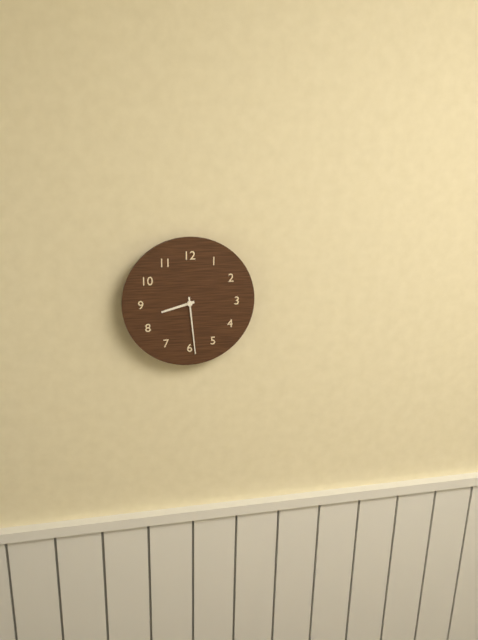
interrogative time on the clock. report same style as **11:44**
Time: **8:29**
